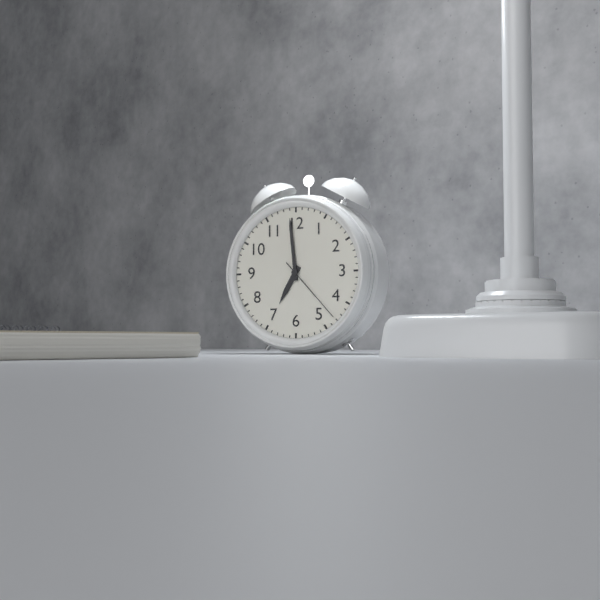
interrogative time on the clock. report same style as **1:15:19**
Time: **6:59:23**
